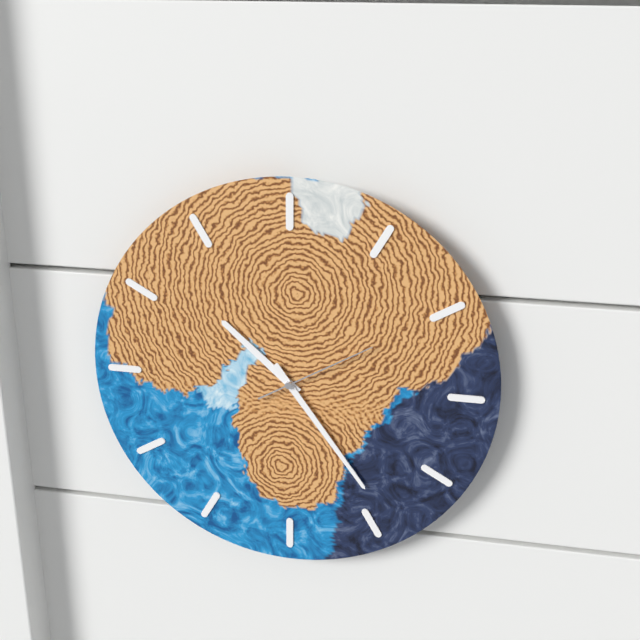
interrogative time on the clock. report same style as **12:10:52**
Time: **10:24:10**
